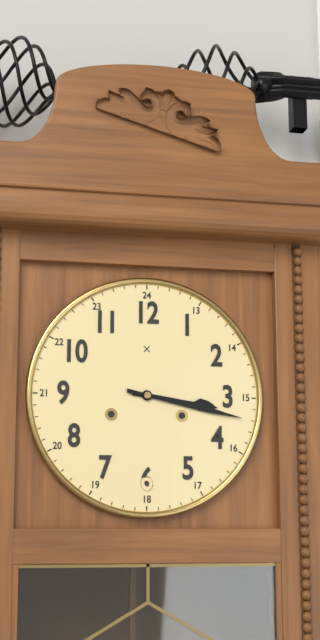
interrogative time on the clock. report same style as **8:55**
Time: **3:17**
